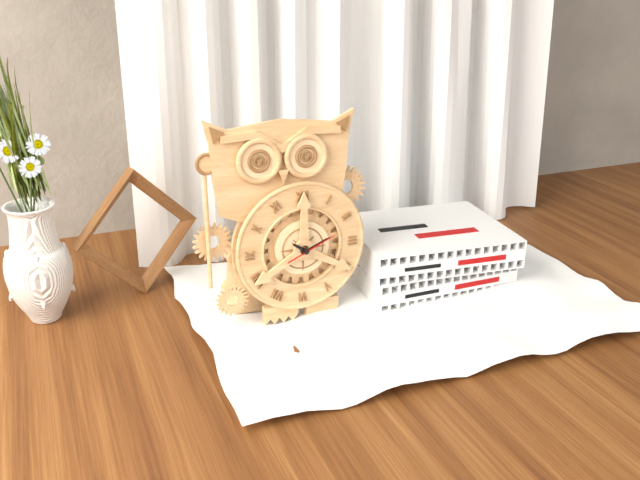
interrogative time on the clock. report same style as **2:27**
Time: **10:11**
